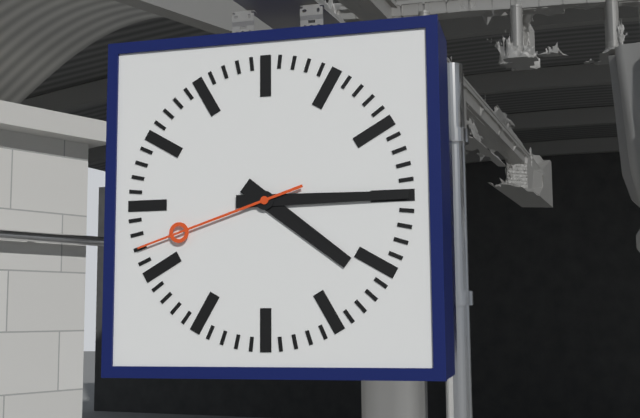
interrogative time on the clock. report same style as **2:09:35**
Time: **4:15:42**
